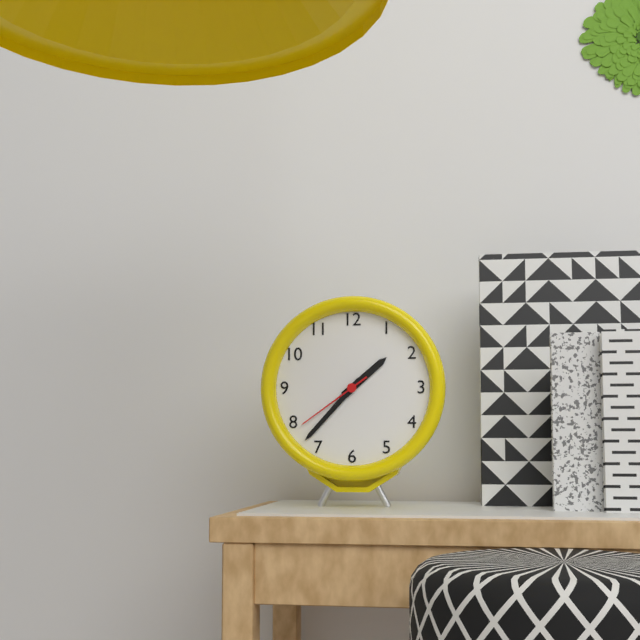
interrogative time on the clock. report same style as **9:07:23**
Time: **1:37:39**
